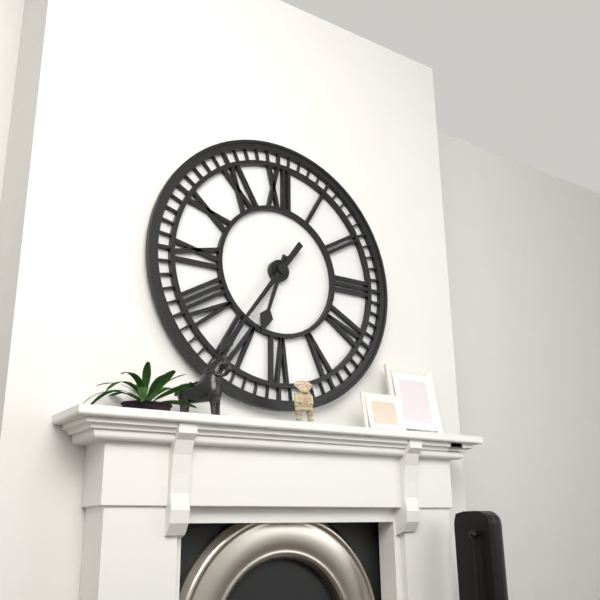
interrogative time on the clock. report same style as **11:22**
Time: **6:36**
